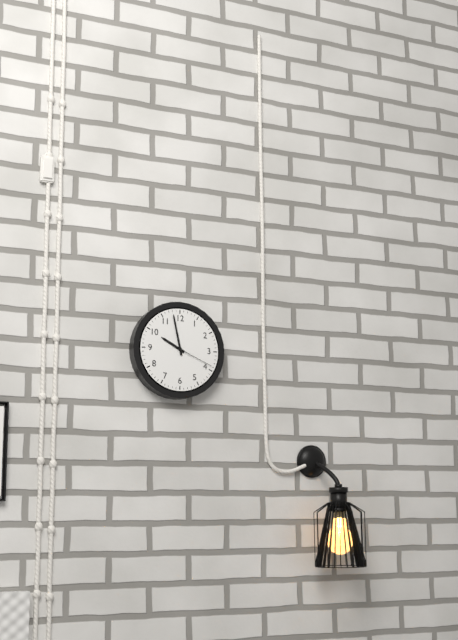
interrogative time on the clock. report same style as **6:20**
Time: **9:58**
